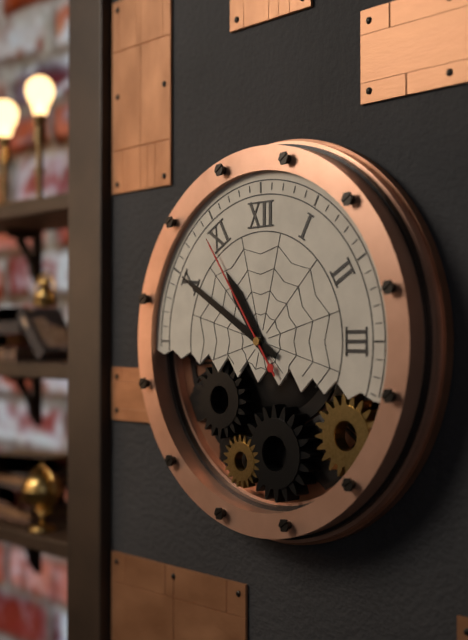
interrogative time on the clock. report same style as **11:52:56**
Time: **10:50:54**
